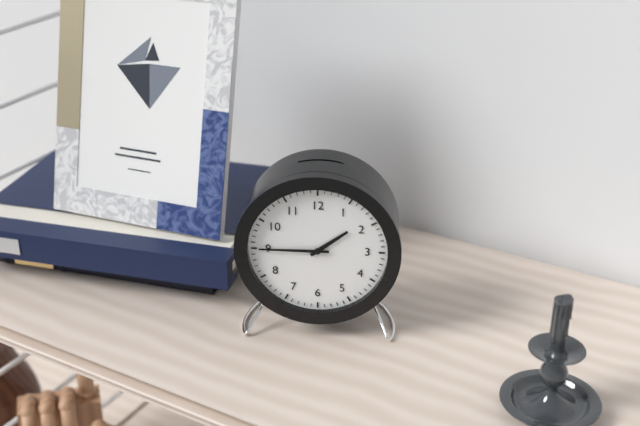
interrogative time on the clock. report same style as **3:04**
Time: **1:45**
